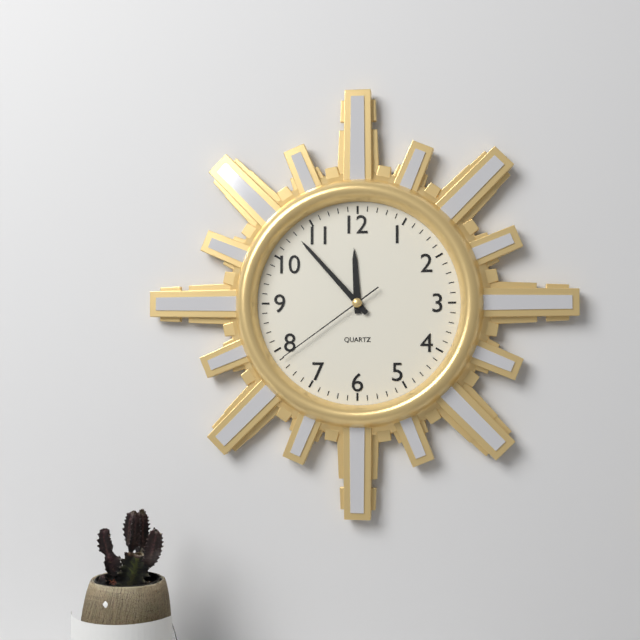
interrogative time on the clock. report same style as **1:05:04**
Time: **11:53:39**
